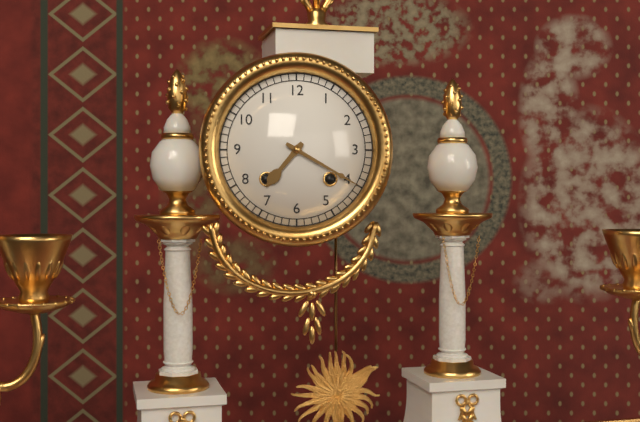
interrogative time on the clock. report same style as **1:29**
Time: **7:20**
